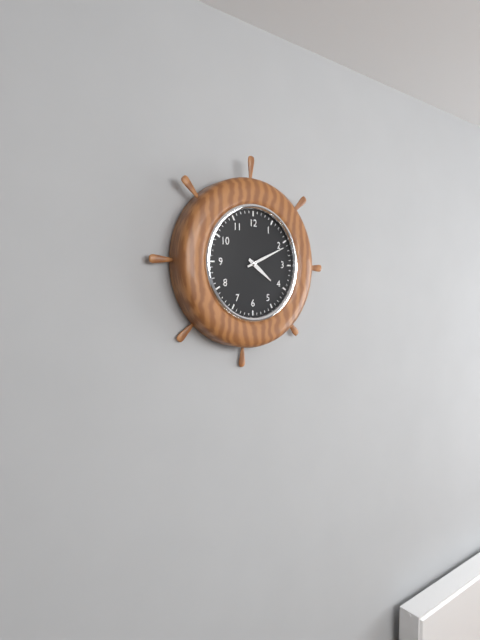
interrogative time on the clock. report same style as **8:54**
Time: **4:11**
